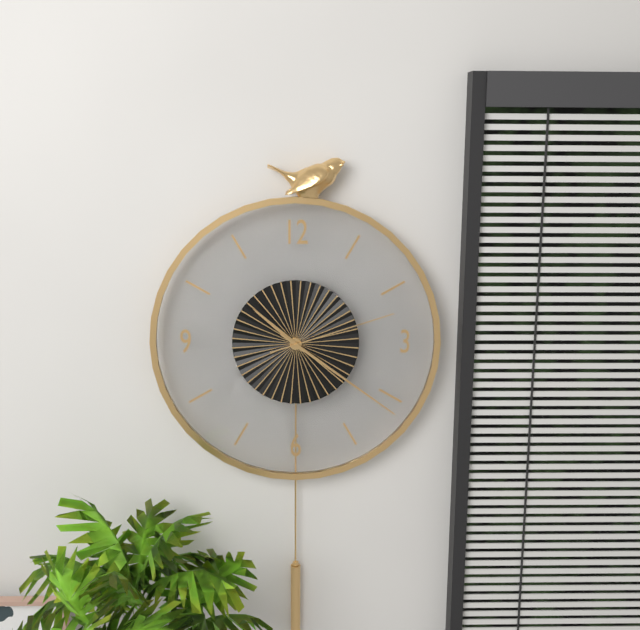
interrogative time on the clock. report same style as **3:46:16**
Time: **10:21:12**
